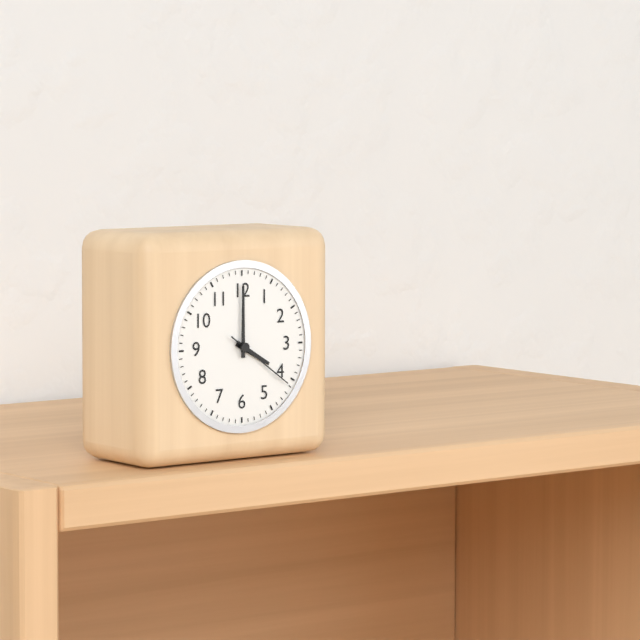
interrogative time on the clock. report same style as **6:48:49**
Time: **4:00:21**
